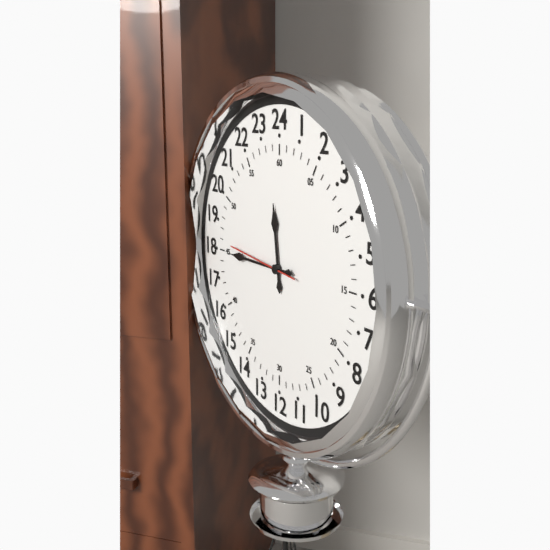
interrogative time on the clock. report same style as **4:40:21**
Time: **11:45:46**
